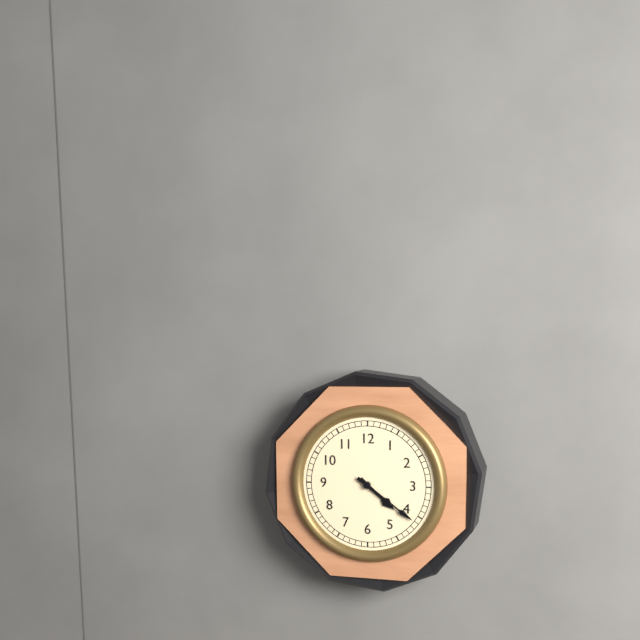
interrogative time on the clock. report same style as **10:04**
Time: **4:21**
